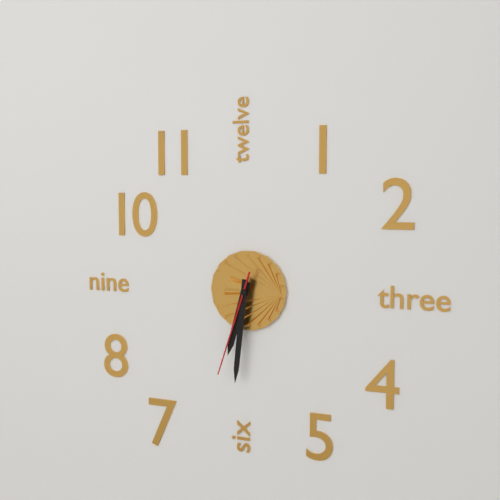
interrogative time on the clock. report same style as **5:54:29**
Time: **6:31:33**
